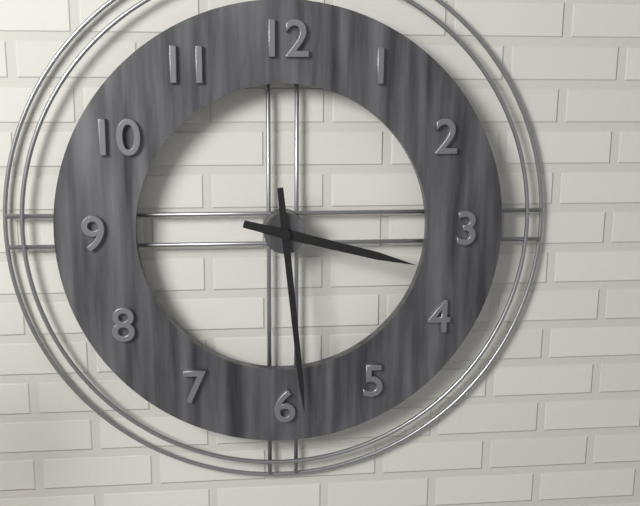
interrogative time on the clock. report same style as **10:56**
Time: **3:29**
